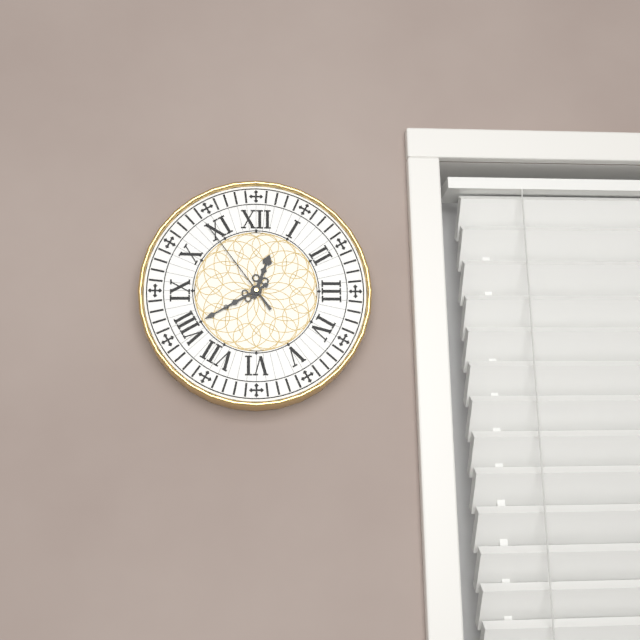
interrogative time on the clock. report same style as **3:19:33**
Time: **12:40:54**
